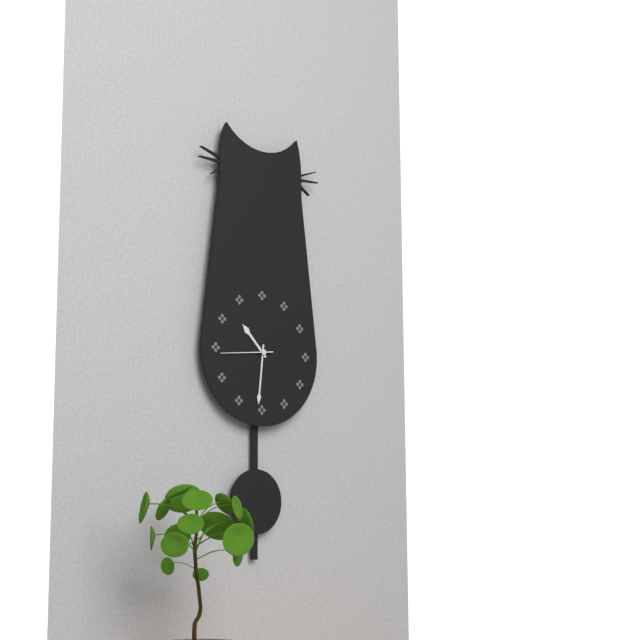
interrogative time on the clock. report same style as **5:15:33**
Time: **10:31:44**
